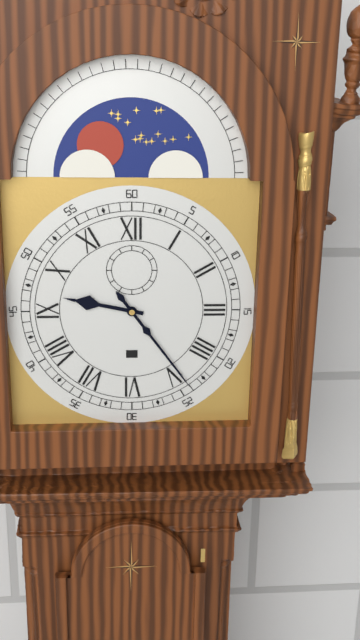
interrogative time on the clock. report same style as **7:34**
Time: **9:24**
